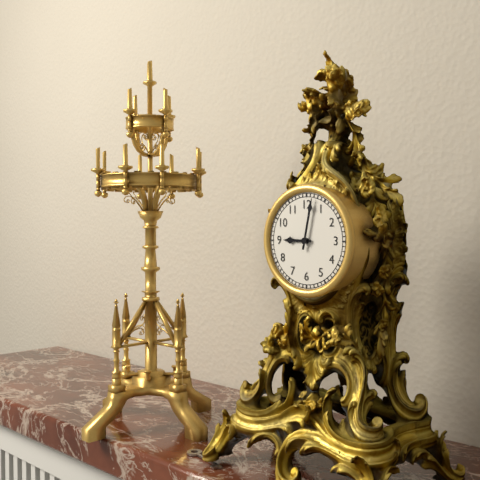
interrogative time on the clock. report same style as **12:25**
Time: **9:02**
